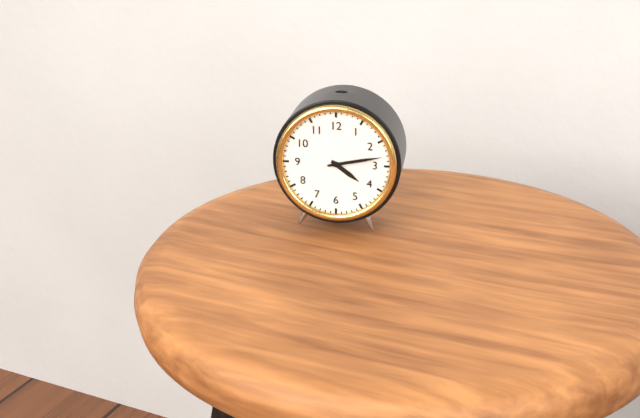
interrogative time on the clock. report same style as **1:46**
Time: **4:13**
